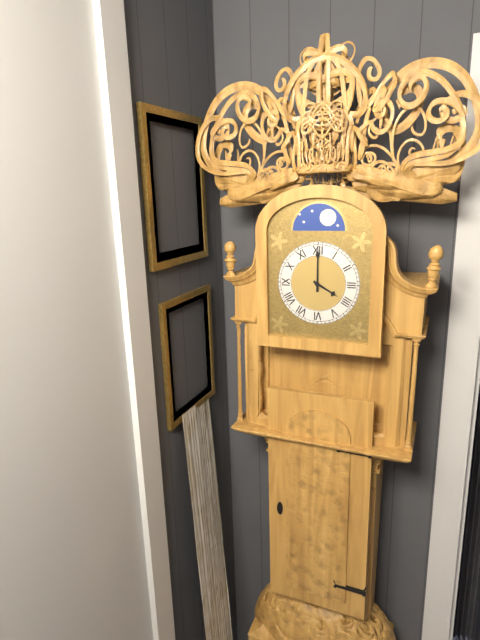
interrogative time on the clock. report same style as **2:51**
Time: **4:00**
